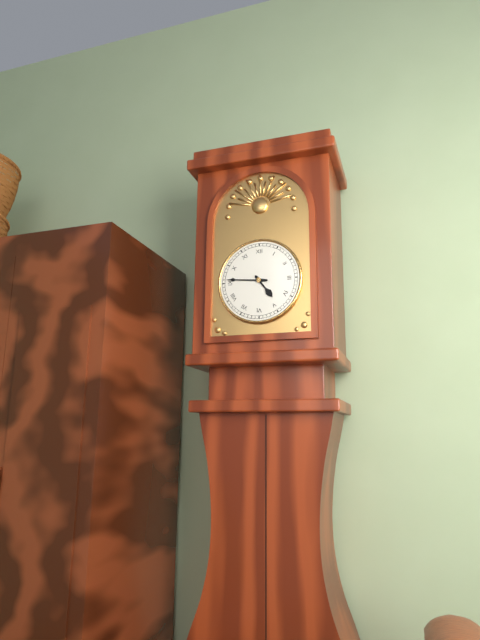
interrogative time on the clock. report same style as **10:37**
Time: **4:46**
